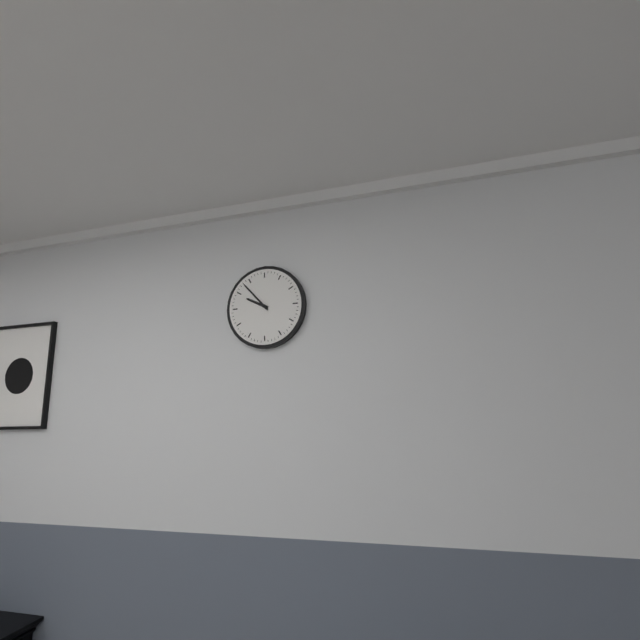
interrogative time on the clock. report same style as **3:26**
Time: **9:53**
